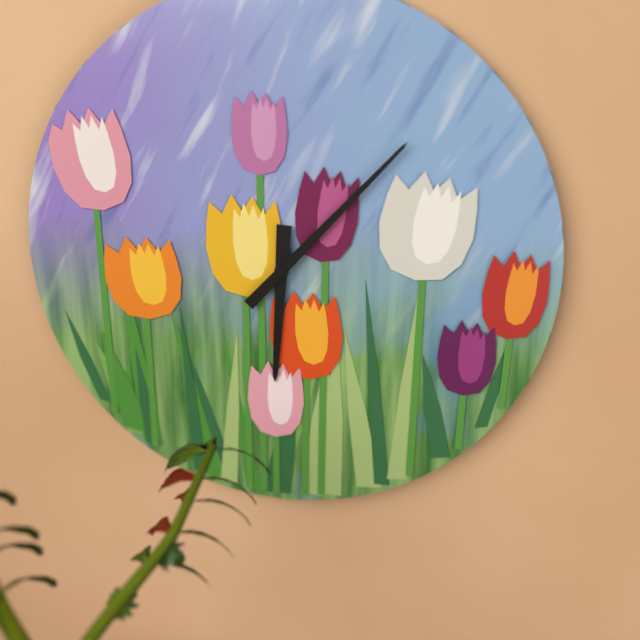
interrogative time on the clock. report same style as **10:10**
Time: **6:07**
